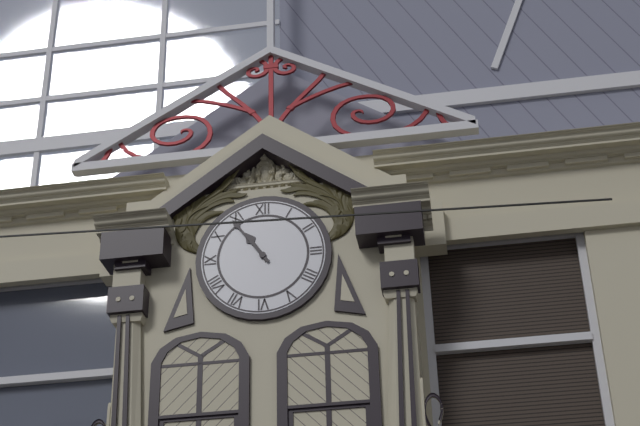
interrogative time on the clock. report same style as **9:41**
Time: **10:54**
